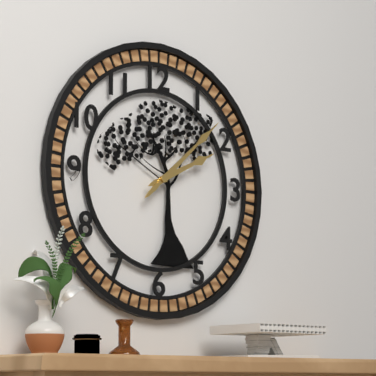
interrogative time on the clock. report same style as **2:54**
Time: **2:08**
